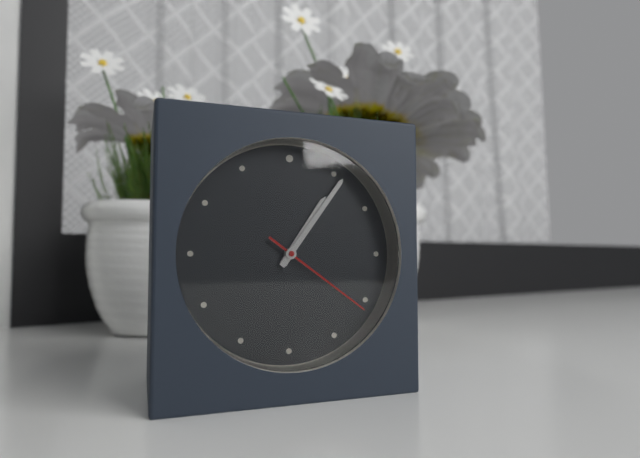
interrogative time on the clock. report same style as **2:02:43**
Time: **1:06:21**
